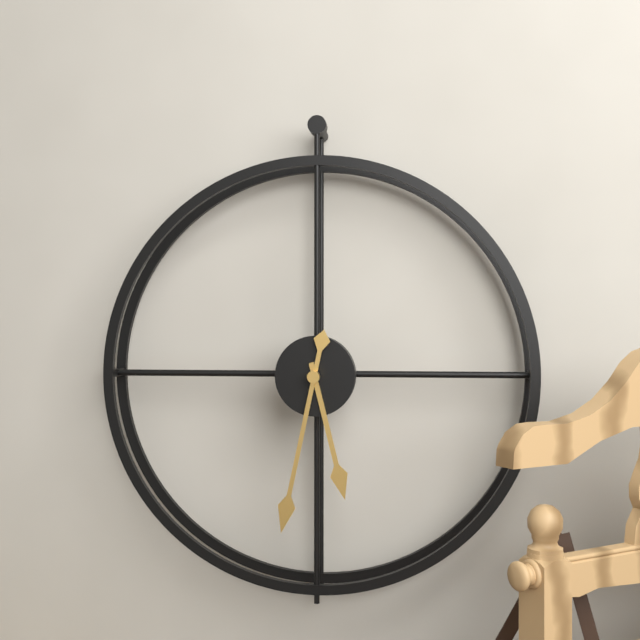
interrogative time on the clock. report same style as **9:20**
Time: **5:32**
